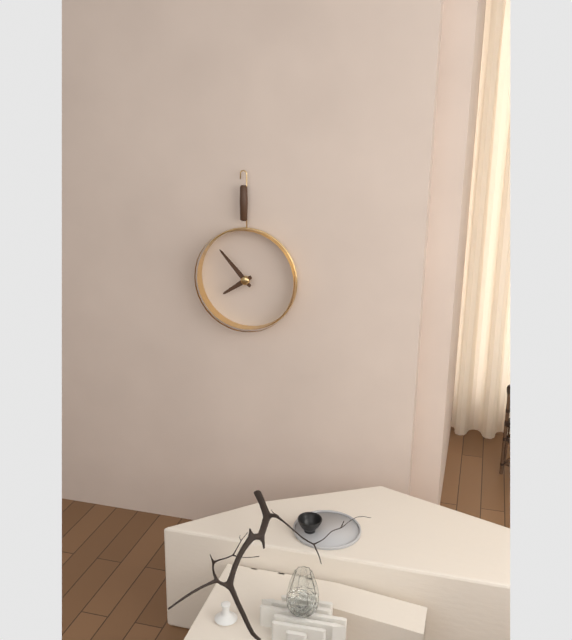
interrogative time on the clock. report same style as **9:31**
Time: **7:53**
